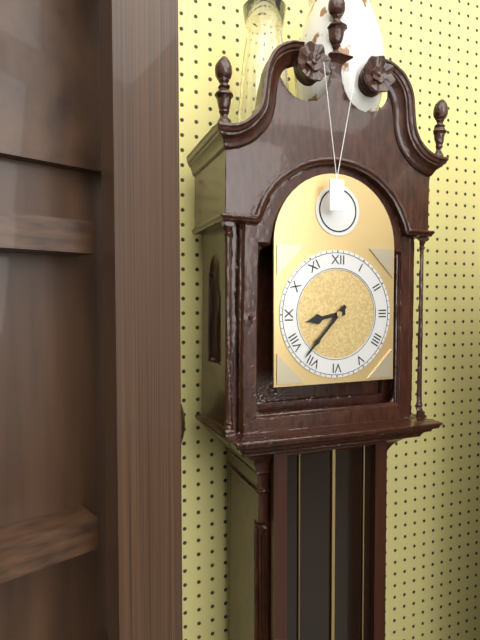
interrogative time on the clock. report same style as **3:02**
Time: **8:37**
